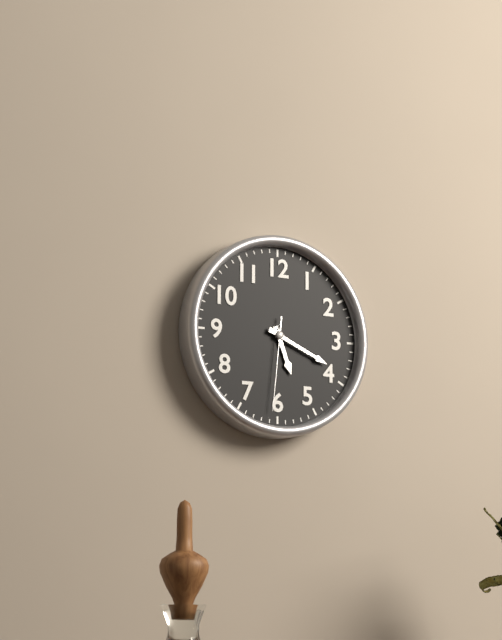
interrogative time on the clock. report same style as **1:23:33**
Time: **5:19:31**
